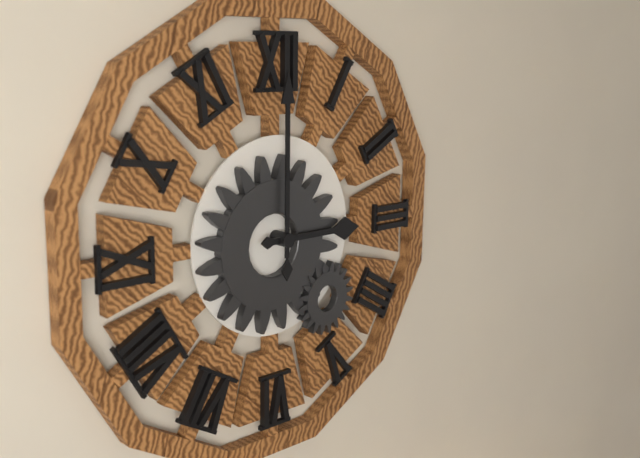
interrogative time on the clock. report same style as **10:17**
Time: **3:00**
